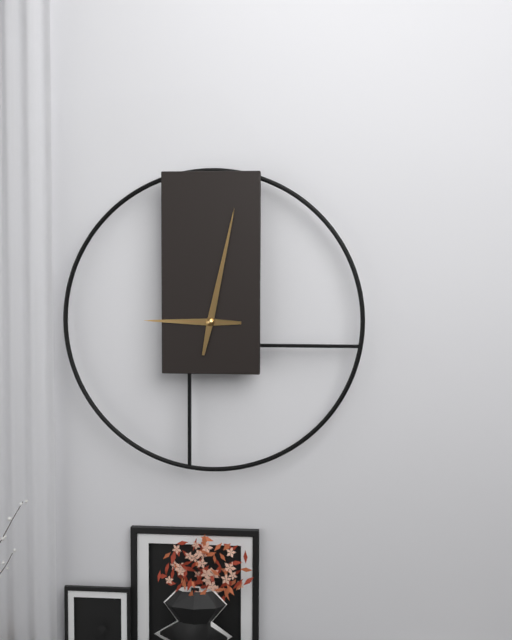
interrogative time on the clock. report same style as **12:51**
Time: **9:02**
